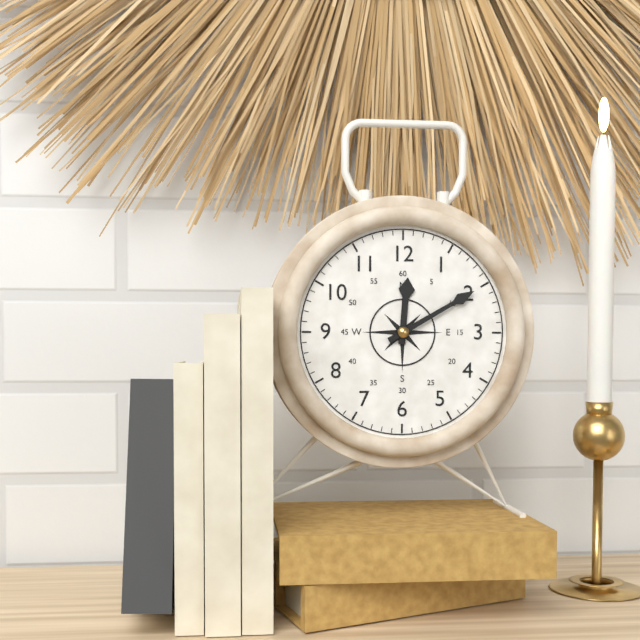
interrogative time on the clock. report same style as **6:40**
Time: **12:10**
